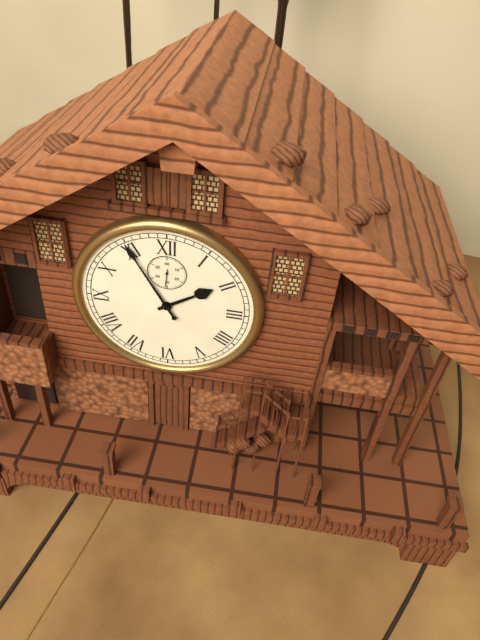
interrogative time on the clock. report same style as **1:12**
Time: **1:55**
